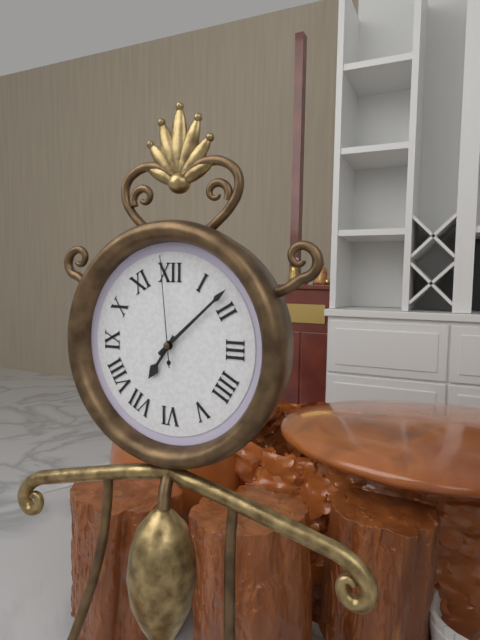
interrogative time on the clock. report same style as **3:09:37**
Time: **7:08:59**
